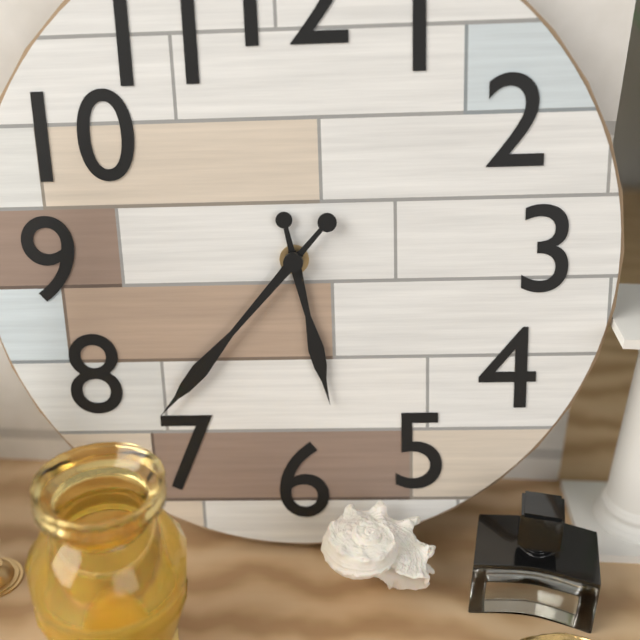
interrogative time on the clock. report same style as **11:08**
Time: **5:37**
